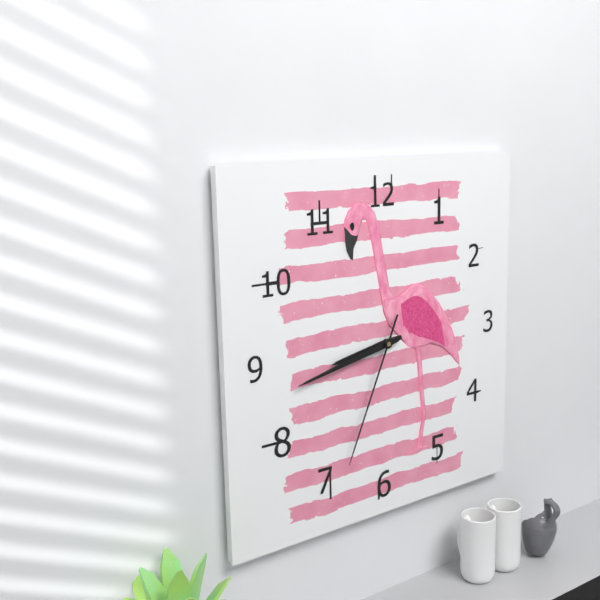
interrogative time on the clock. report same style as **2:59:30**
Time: **8:43:34**
